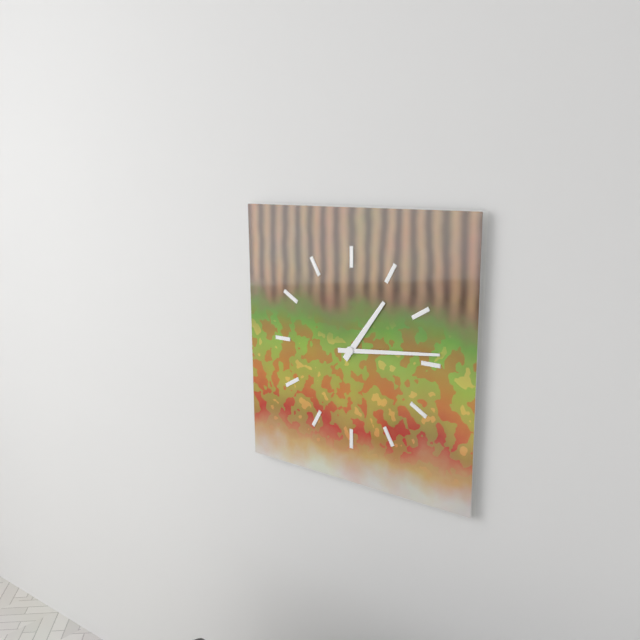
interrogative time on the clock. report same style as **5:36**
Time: **1:14**
